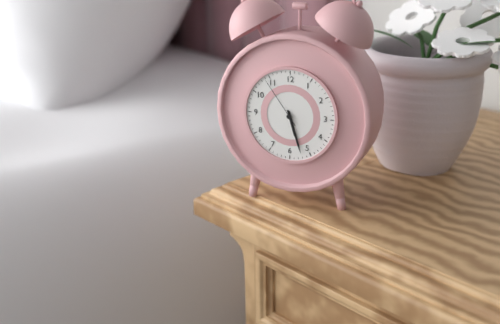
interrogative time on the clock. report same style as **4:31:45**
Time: **5:27:54**
